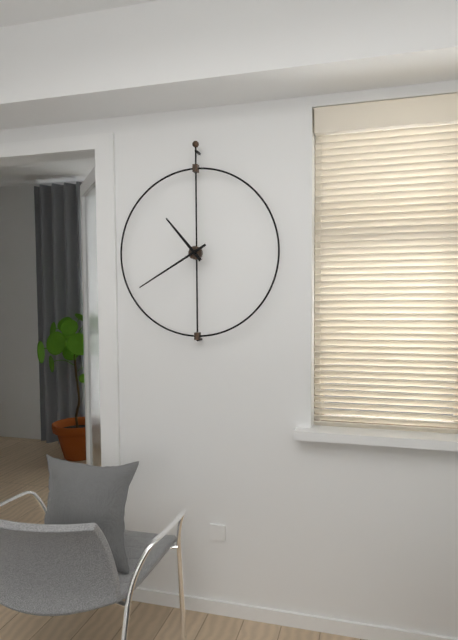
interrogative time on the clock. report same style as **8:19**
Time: **10:40**
